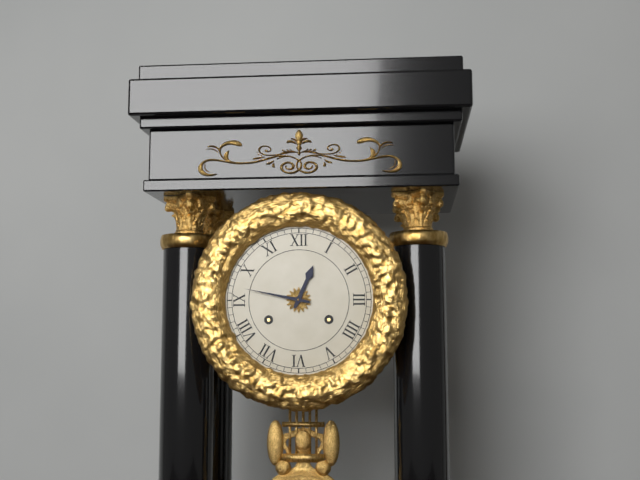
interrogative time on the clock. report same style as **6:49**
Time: **12:47**
